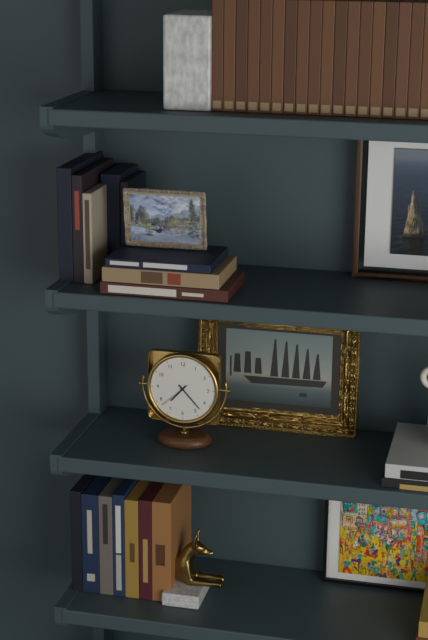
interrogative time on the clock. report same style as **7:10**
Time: **7:23**
